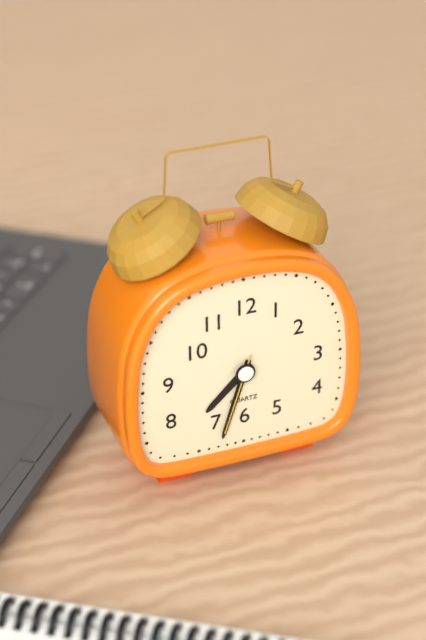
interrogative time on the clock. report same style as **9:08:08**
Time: **7:33:33**
